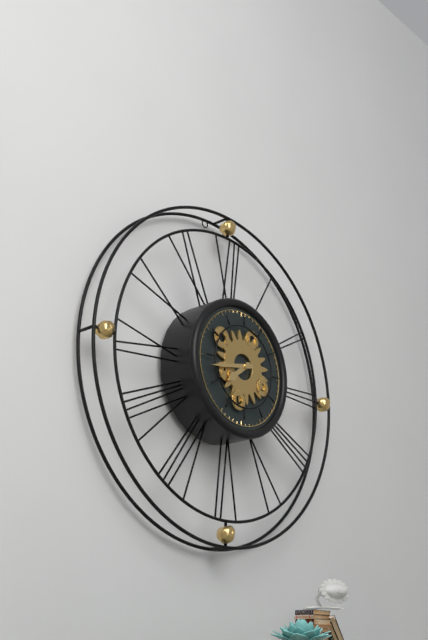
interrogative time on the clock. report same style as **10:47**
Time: **7:43**
